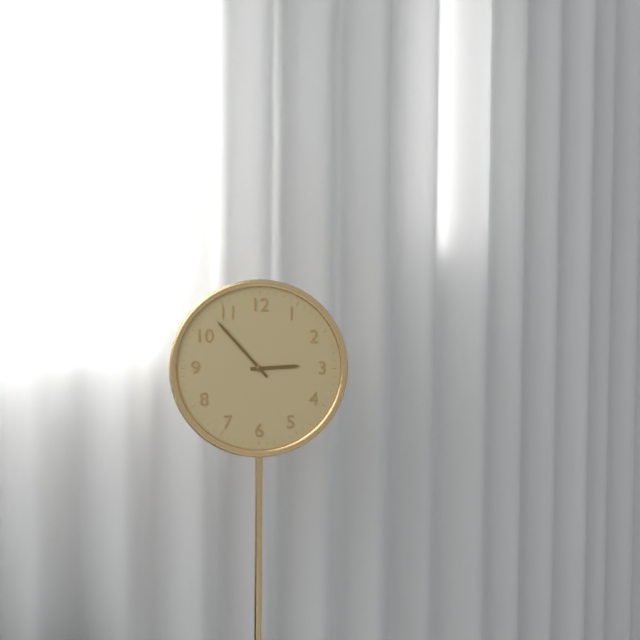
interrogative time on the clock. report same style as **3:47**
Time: **2:53**
